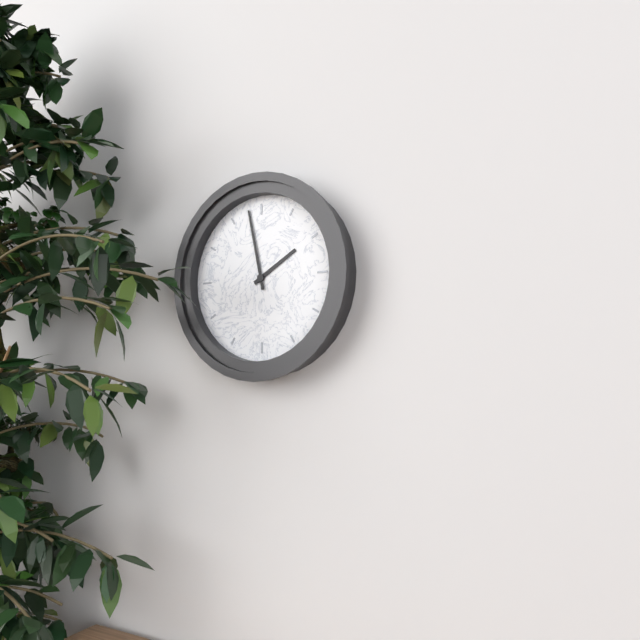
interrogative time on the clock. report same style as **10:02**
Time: **1:58**
